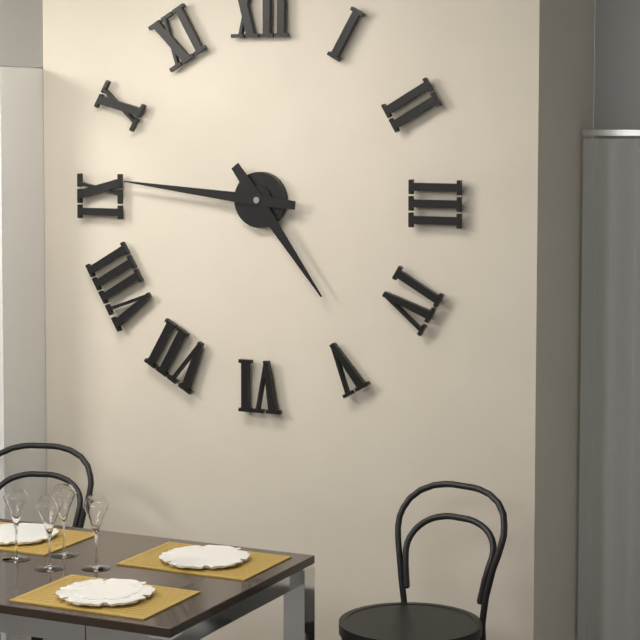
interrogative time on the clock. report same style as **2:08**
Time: **4:46**
